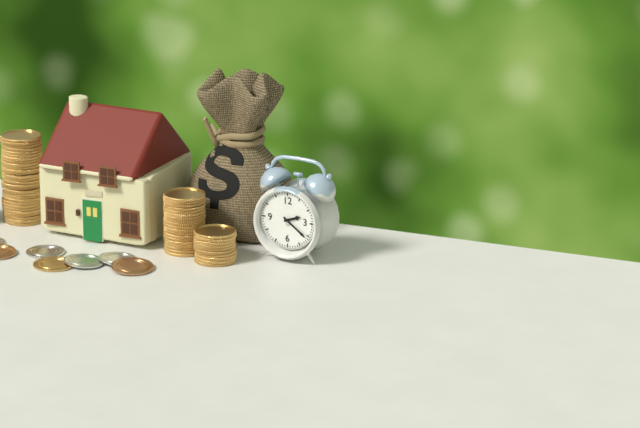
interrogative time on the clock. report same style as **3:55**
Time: **2:21**
